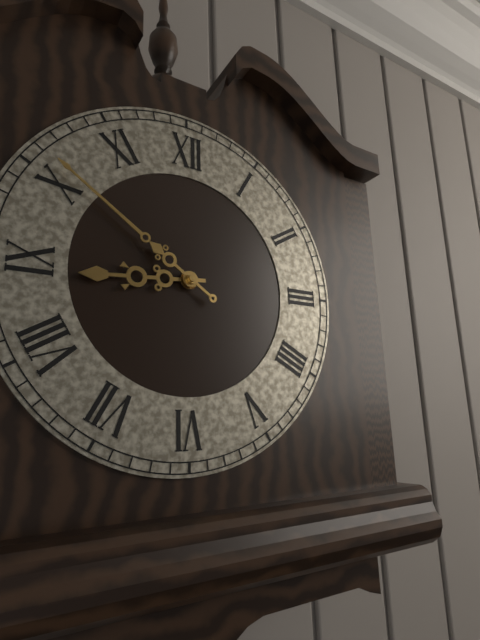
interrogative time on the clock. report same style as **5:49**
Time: **8:51**
